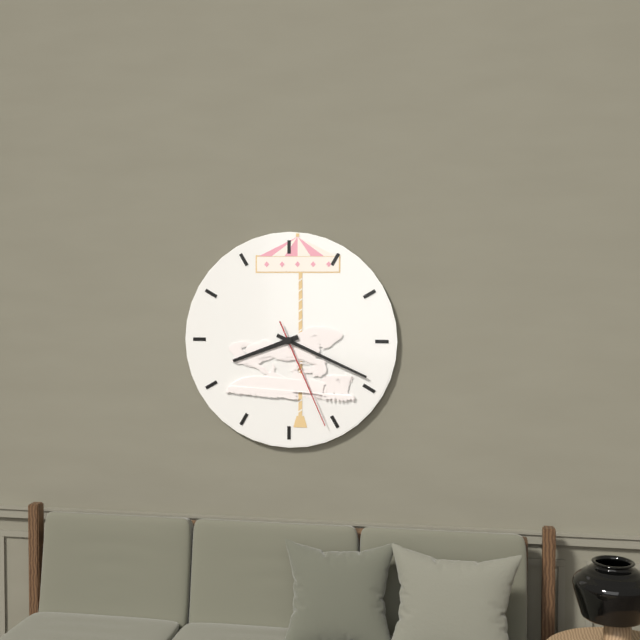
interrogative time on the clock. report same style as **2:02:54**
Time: **8:19:26**
